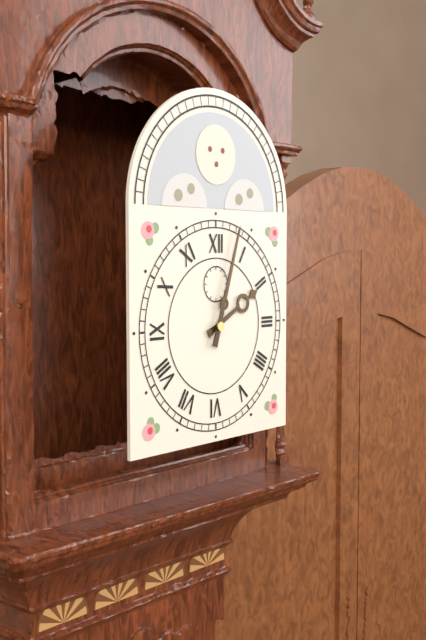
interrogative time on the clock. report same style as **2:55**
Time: **2:03**
